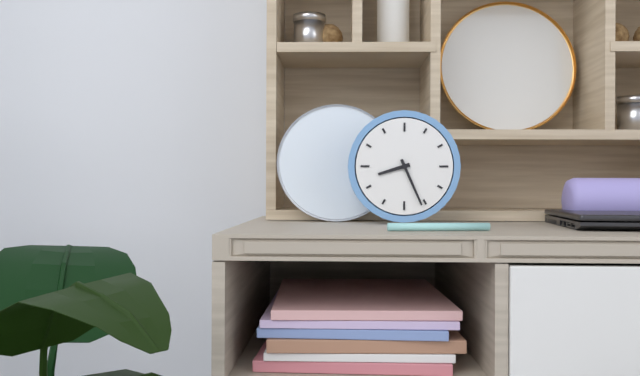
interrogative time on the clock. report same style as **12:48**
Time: **8:26**
